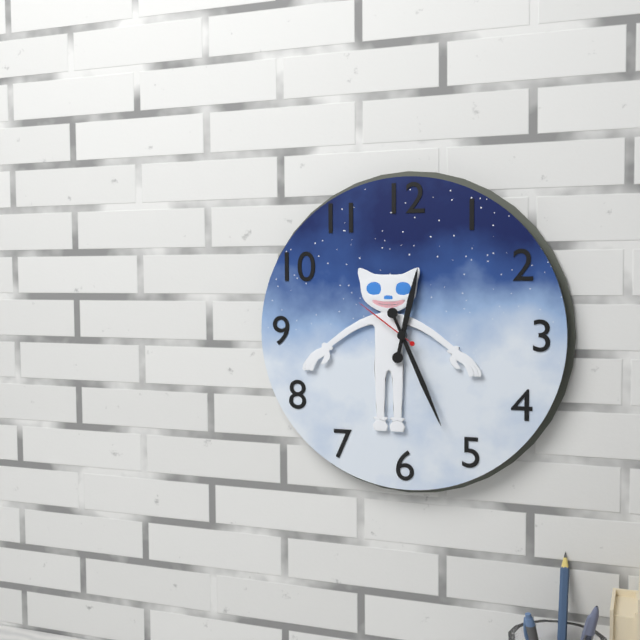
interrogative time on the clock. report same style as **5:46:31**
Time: **12:26:51**
